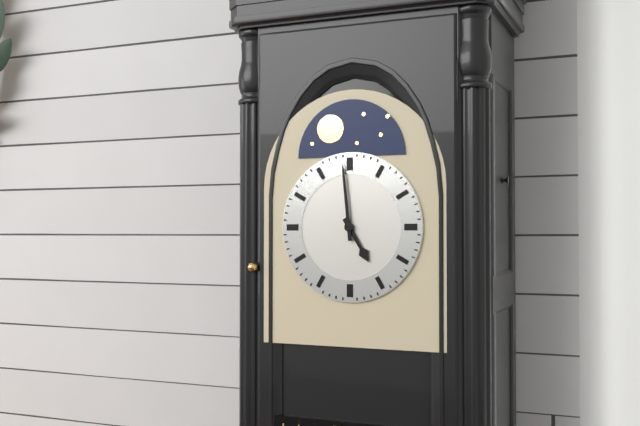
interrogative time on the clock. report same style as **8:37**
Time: **4:59**
